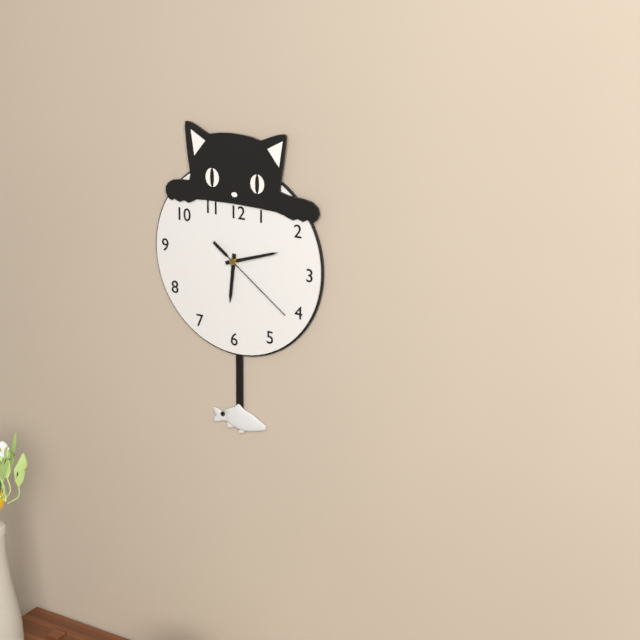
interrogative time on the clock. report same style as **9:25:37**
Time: **6:12:21**
